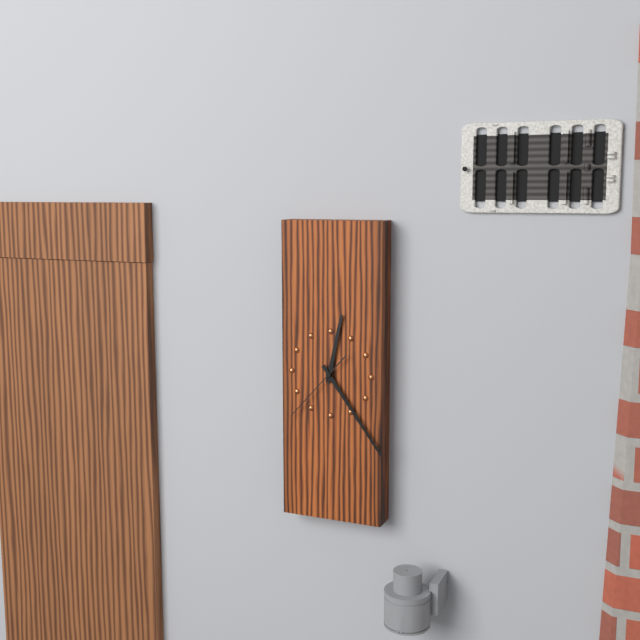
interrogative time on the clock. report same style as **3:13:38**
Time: **12:24:37**
